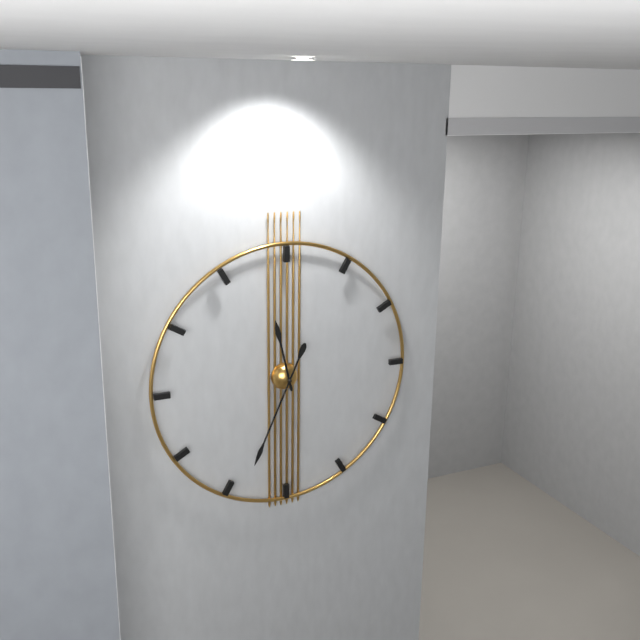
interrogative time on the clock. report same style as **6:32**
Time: **11:34**
